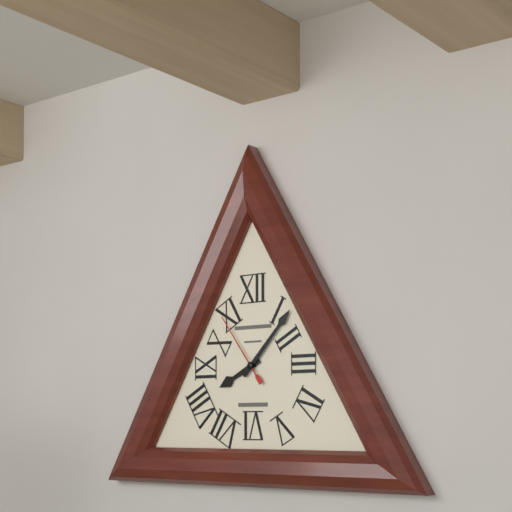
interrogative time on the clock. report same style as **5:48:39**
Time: **8:07:54**
